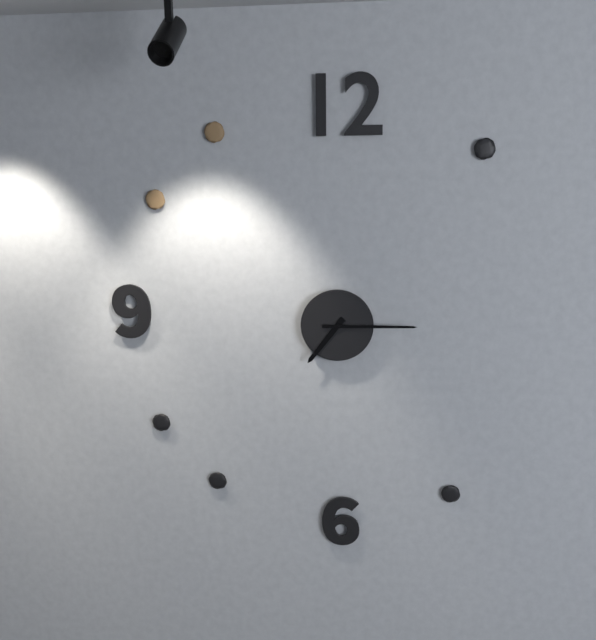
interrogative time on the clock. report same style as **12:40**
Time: **7:15**
